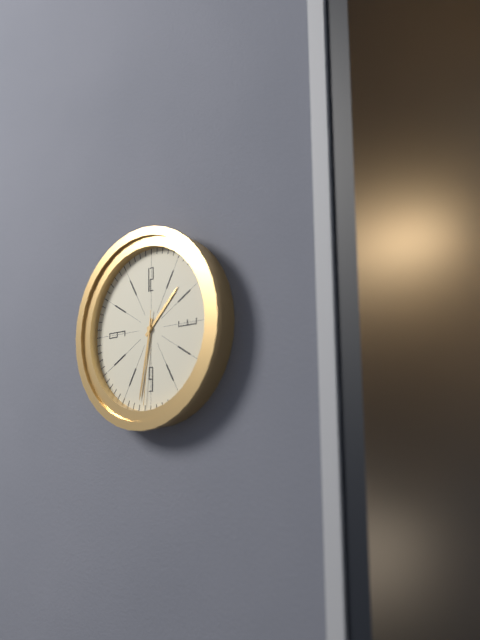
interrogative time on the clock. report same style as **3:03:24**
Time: **1:32:31**
